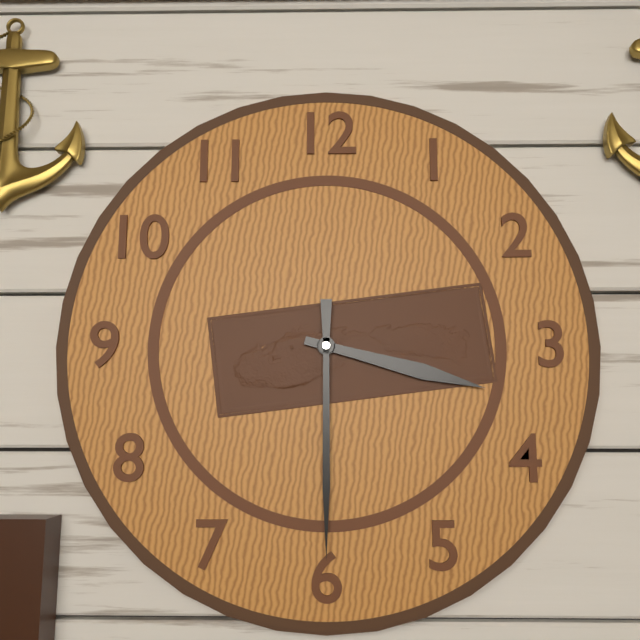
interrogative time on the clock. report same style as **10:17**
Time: **3:30**
